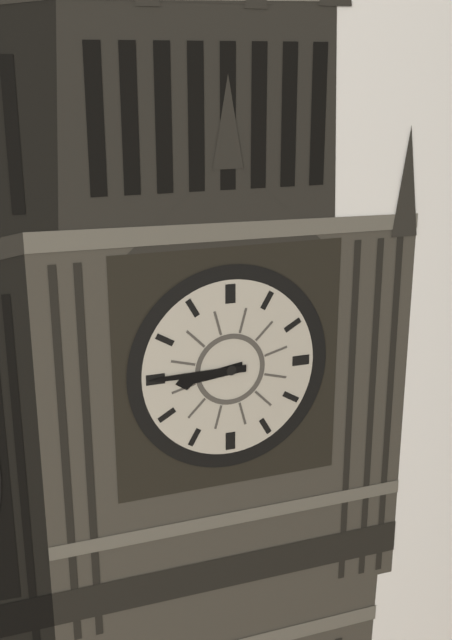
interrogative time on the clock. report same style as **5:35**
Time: **8:45**
